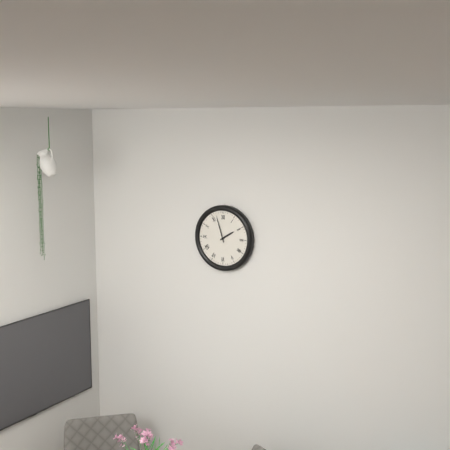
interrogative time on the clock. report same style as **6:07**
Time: **1:57**
